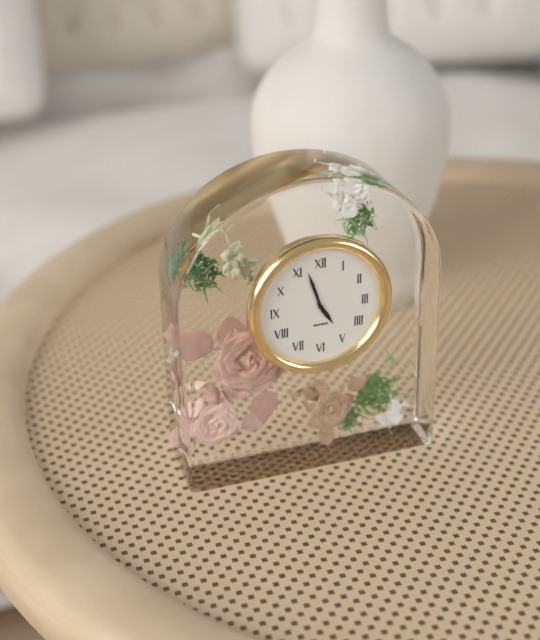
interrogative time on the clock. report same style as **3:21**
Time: **4:57**
